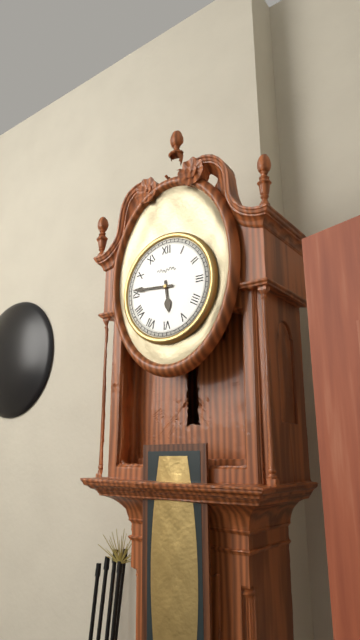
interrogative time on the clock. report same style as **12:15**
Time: **5:46**
